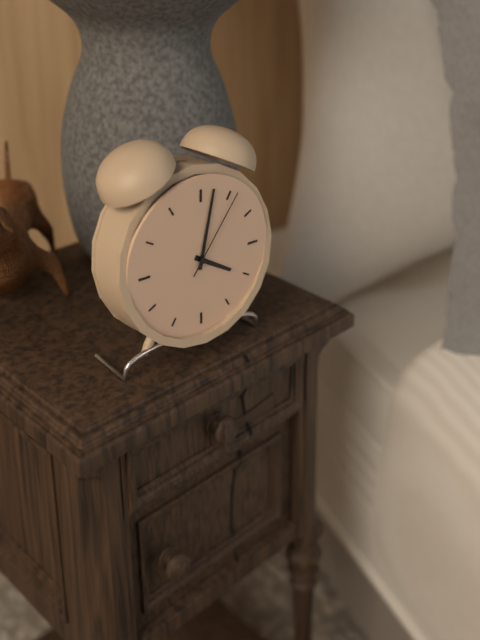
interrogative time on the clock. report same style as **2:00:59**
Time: **4:02:06**
